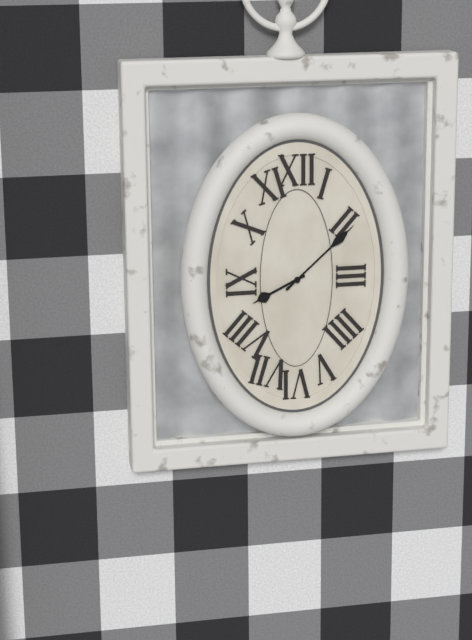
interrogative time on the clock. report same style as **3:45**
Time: **8:08**
